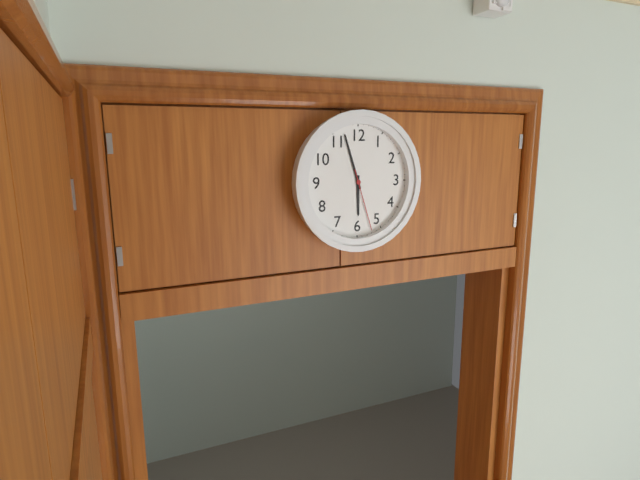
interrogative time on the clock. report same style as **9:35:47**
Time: **5:57:27**
